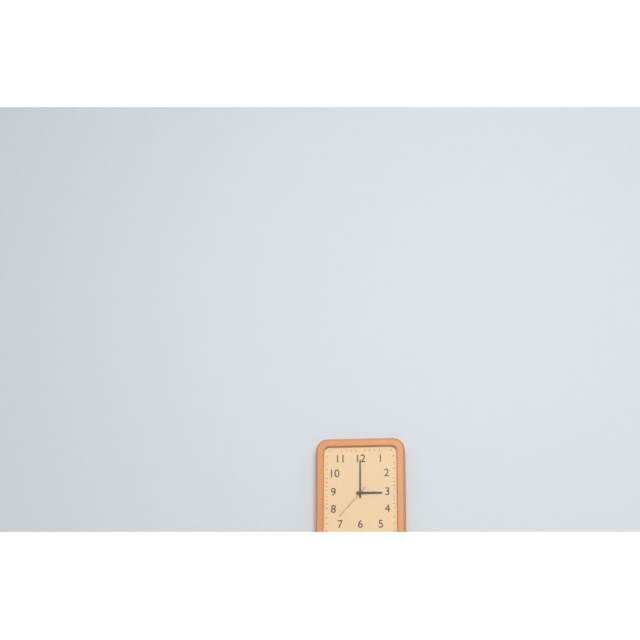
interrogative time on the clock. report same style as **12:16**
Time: **3:00**
